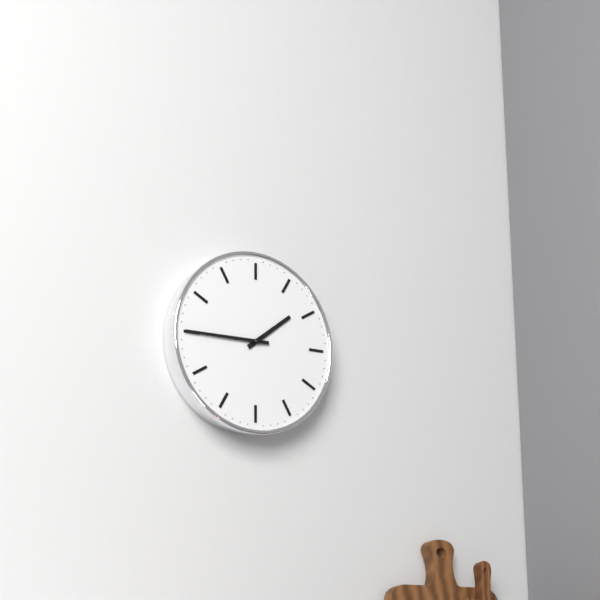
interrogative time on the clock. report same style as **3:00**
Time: **1:45**
